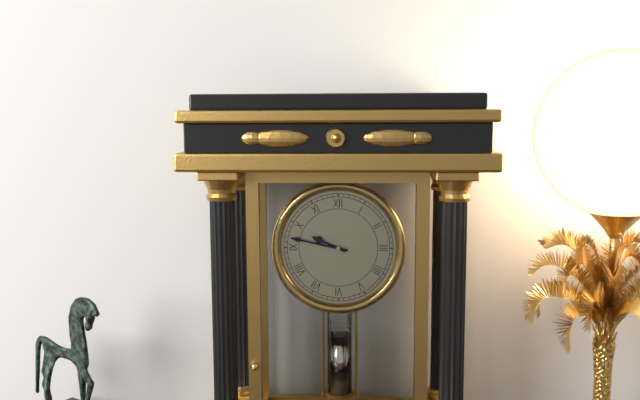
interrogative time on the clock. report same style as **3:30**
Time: **9:47**
